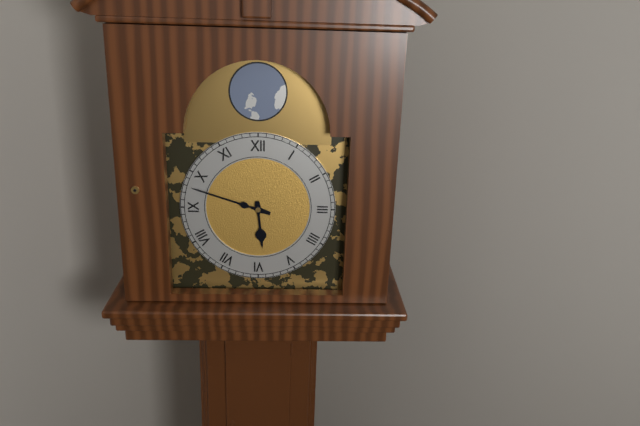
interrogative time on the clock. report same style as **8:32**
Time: **5:48**
